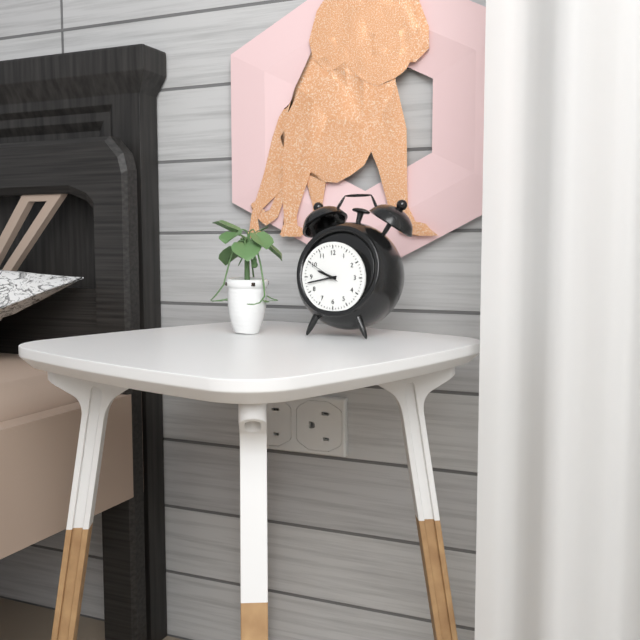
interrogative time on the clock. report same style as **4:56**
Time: **9:43**
